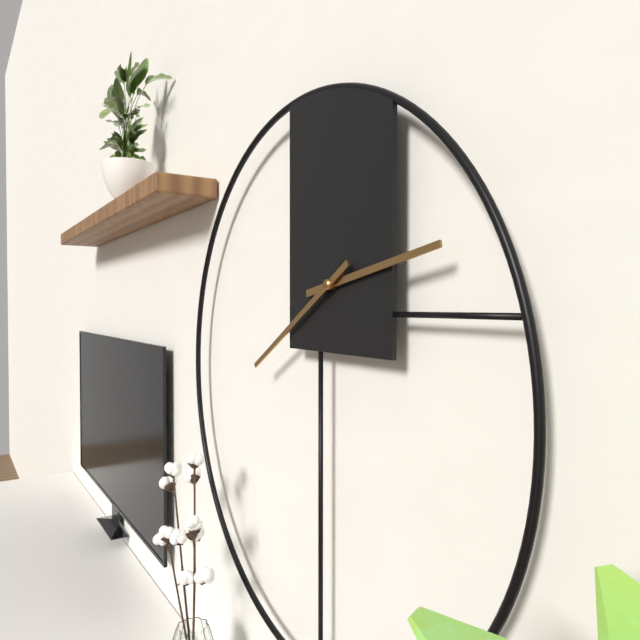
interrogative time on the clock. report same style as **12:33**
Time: **2:40**
